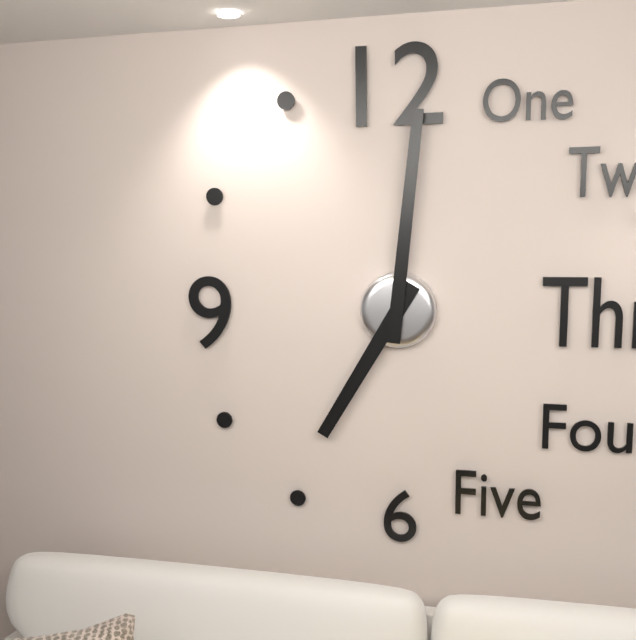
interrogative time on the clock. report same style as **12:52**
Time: **7:01**
